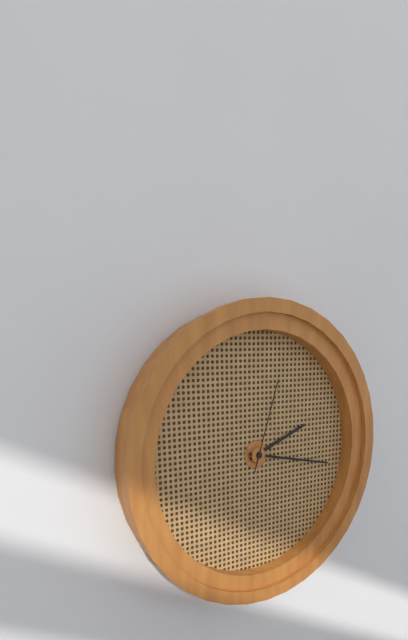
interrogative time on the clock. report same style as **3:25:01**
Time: **2:17:03**
